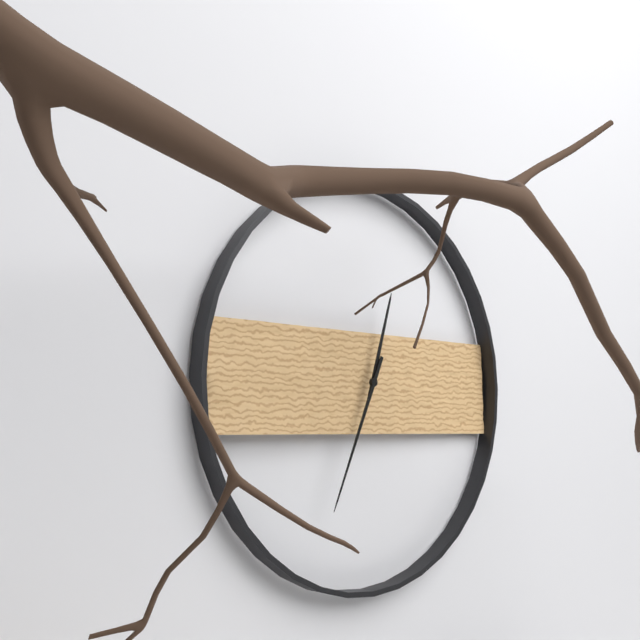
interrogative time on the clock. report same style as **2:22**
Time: **12:34**
